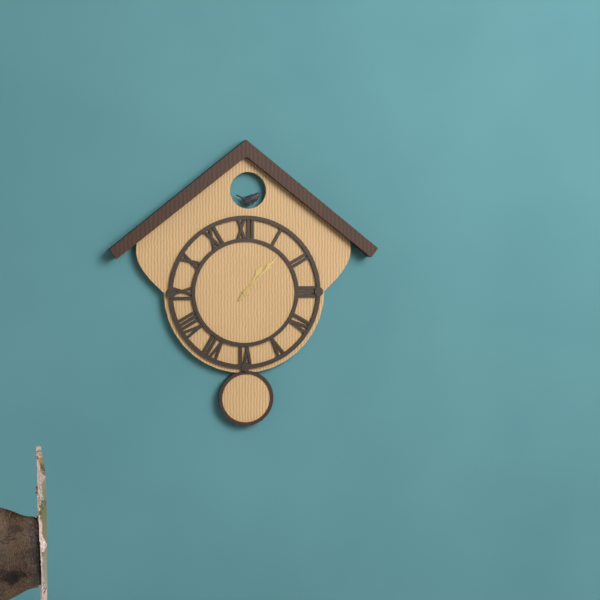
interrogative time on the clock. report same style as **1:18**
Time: **1:07**
